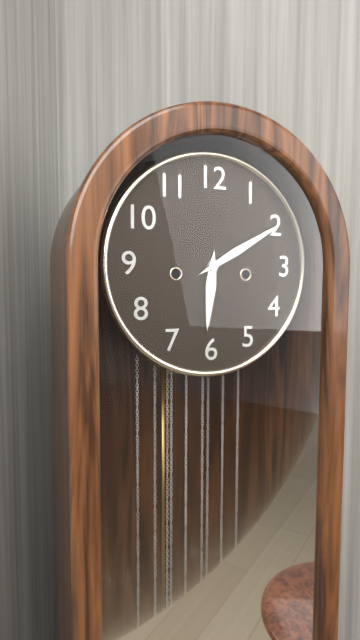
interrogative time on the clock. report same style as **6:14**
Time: **6:10**
